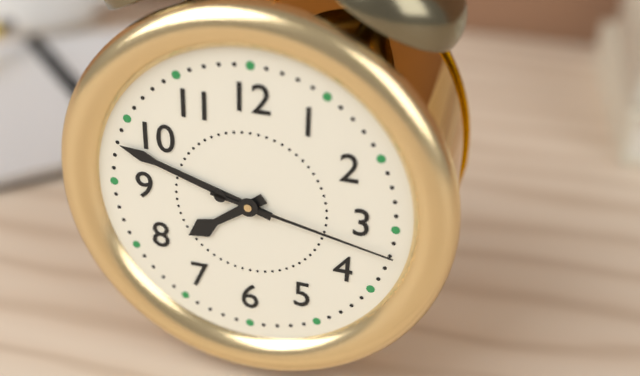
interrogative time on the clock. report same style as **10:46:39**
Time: **7:48:17**
